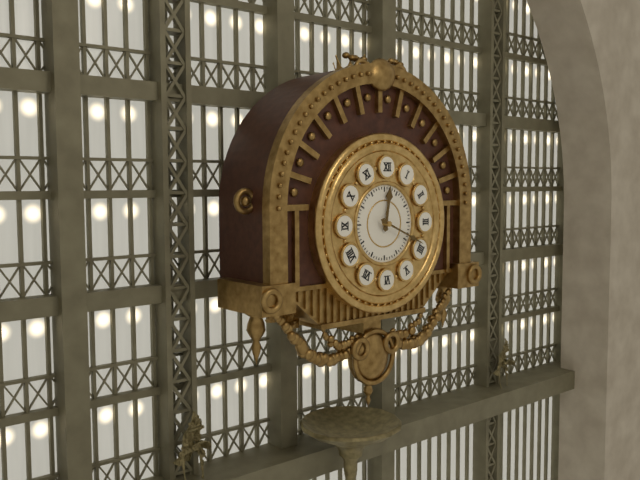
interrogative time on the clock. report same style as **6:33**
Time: **12:19**
